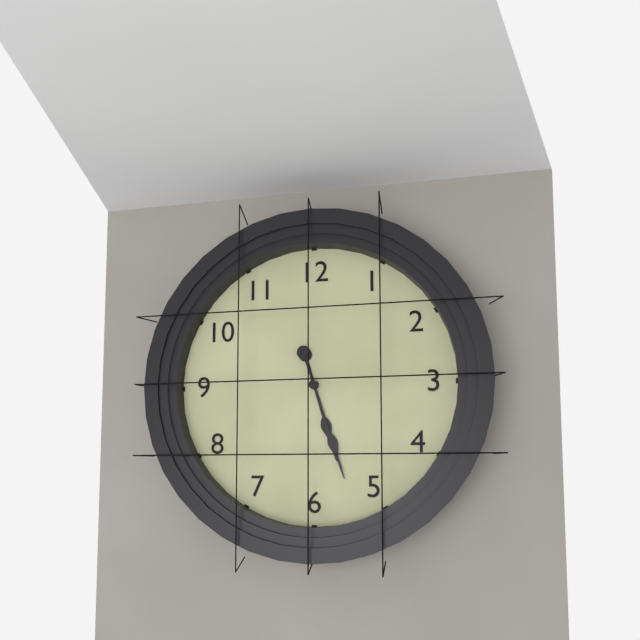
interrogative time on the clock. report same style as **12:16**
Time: **5:27**
